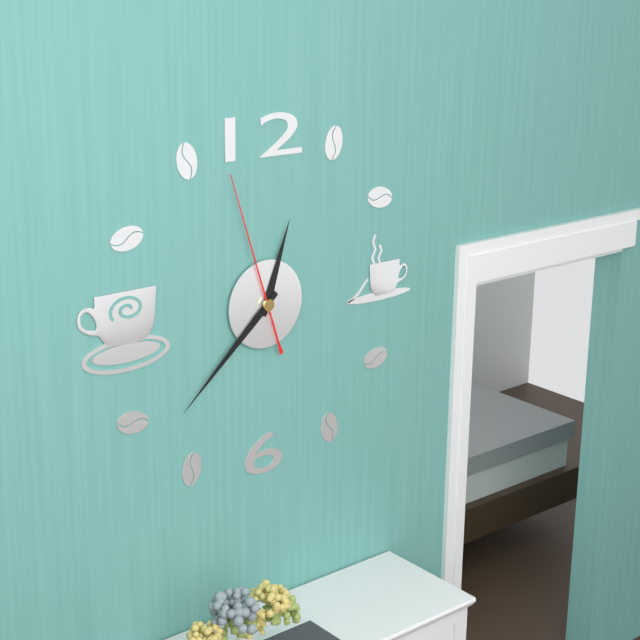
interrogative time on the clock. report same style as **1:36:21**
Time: **12:38:57**
